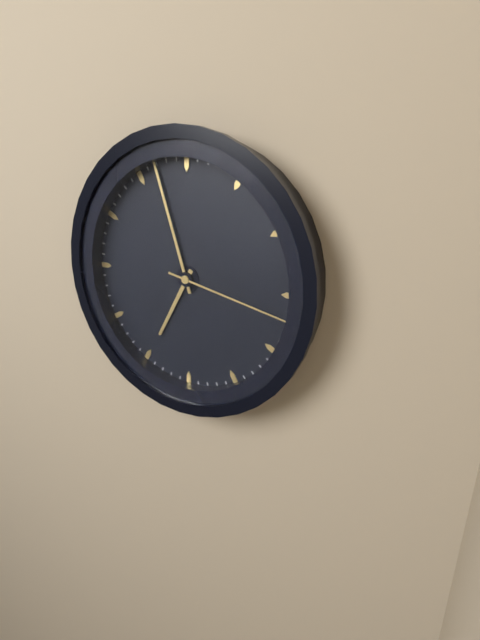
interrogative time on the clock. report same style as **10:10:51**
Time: **6:57:17**
